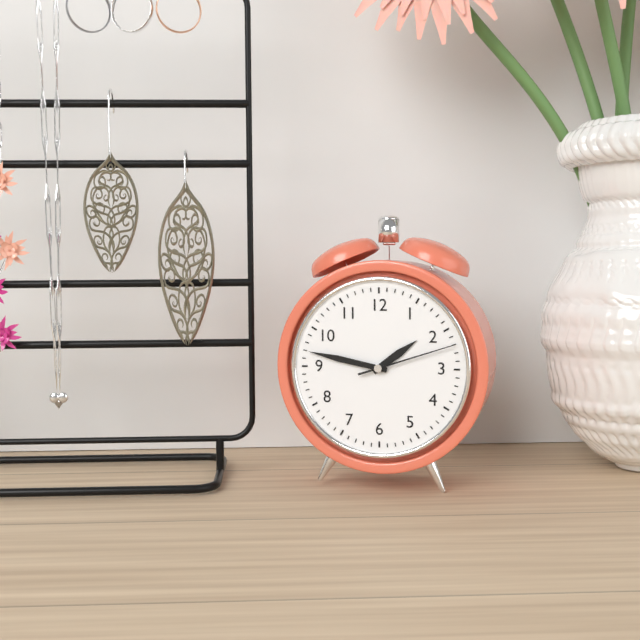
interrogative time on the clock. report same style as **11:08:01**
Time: **1:47:12**
